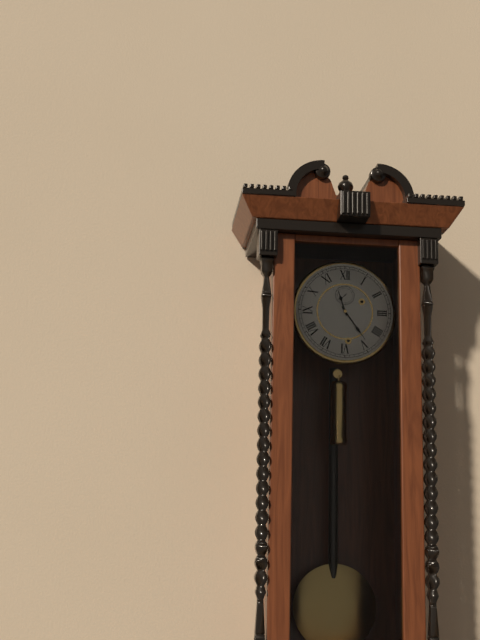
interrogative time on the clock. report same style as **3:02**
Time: **11:24**
